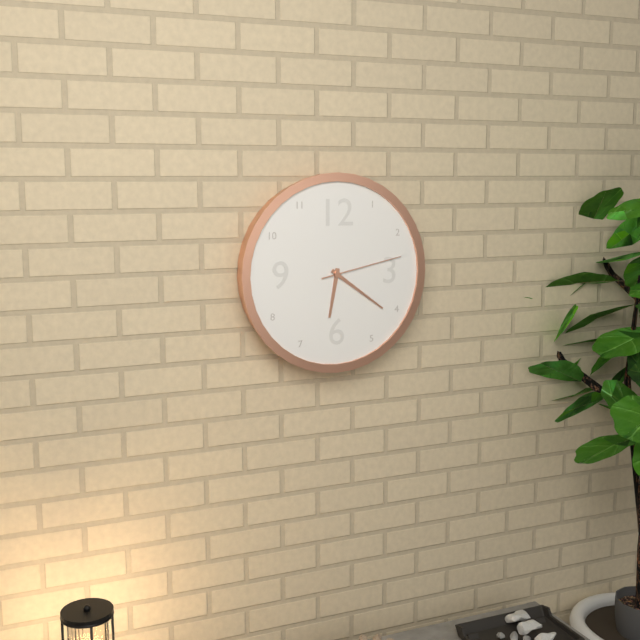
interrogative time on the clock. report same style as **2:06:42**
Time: **6:21:13**
